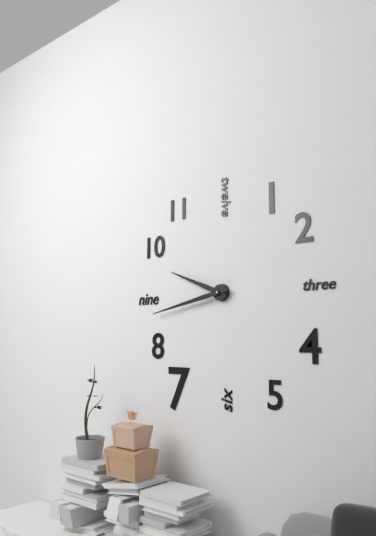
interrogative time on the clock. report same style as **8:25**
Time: **9:43**
